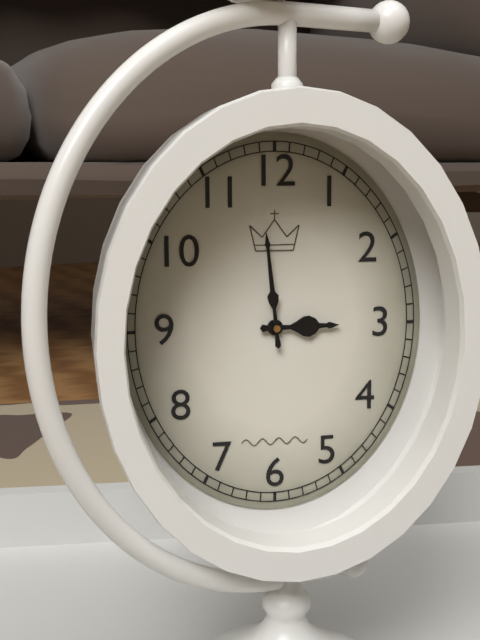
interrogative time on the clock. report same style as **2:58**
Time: **2:59**
